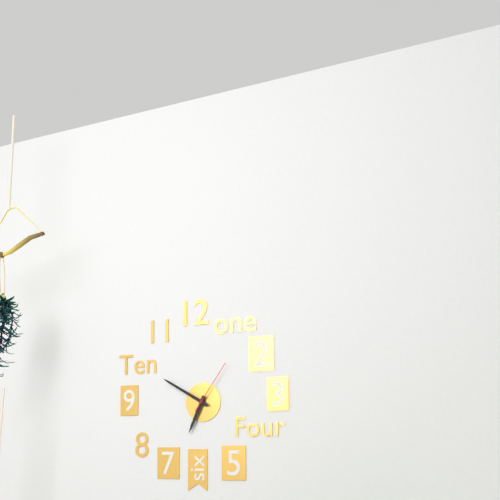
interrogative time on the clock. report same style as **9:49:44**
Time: **6:50:06**
